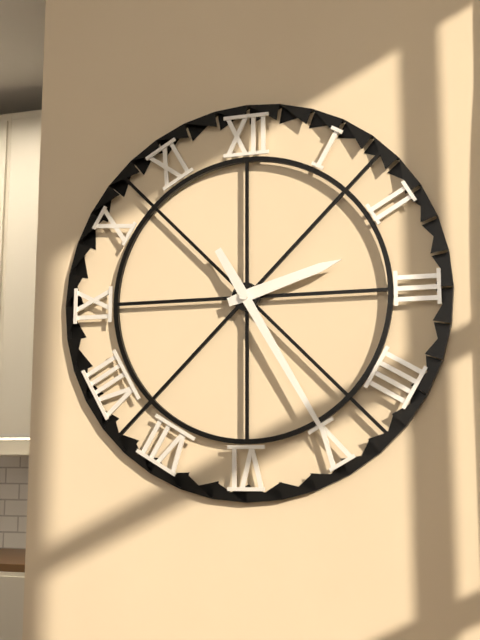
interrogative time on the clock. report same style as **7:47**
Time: **2:25**
